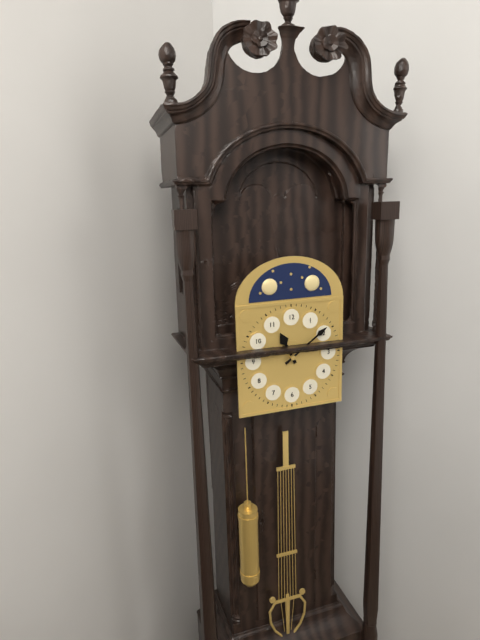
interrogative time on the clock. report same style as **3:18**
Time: **11:09**
